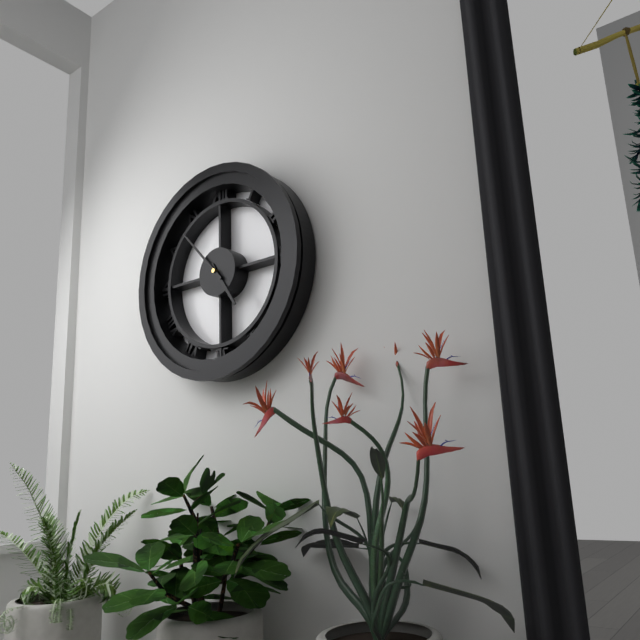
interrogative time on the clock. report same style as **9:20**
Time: **4:53**
